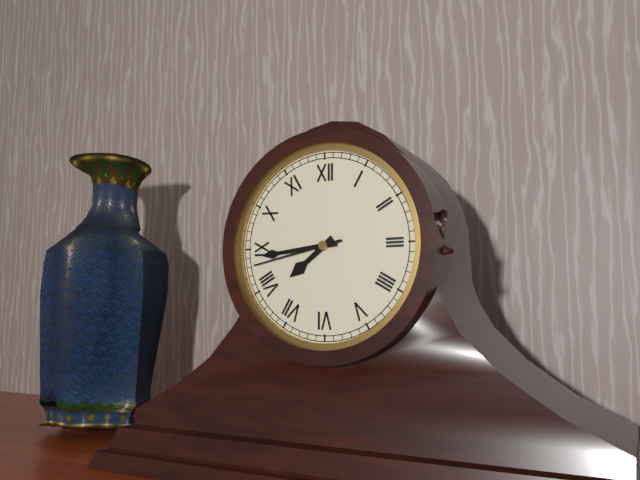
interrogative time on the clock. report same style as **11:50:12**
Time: **7:44:43**
